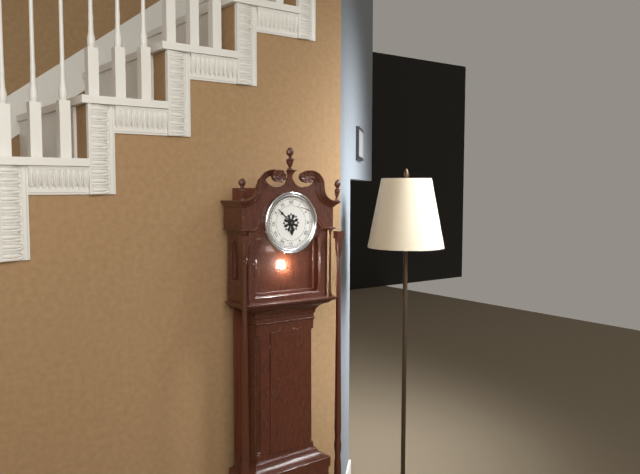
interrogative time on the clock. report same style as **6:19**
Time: **5:52**
